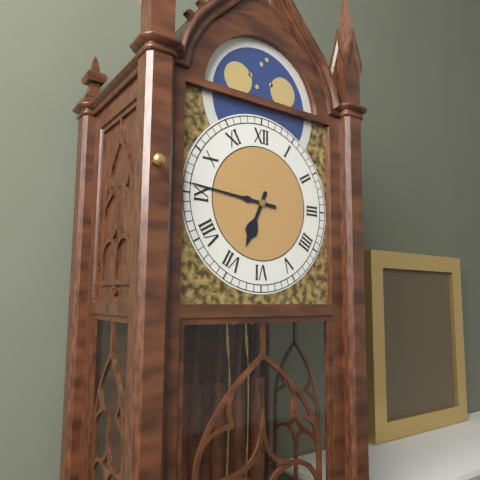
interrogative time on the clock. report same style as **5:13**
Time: **6:46**
